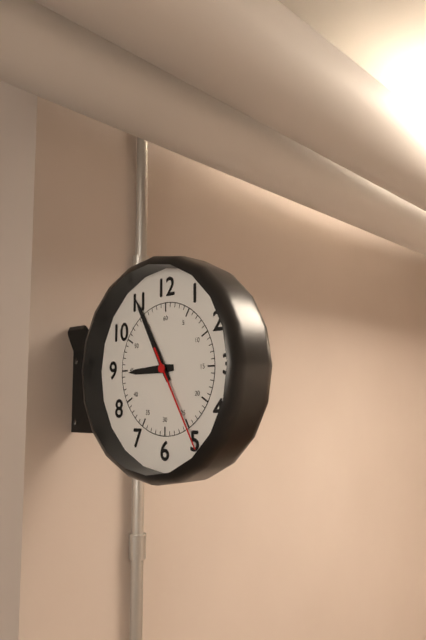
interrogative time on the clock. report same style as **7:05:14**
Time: **8:55:25**
